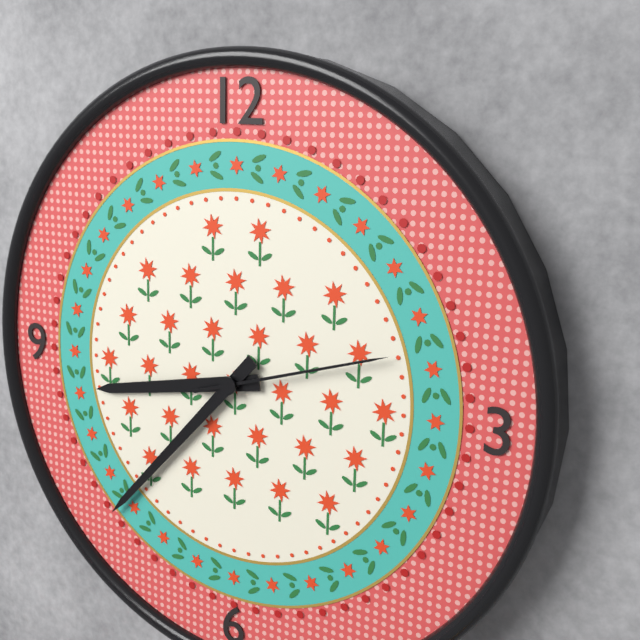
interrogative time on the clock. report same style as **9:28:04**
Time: **8:37:12**
